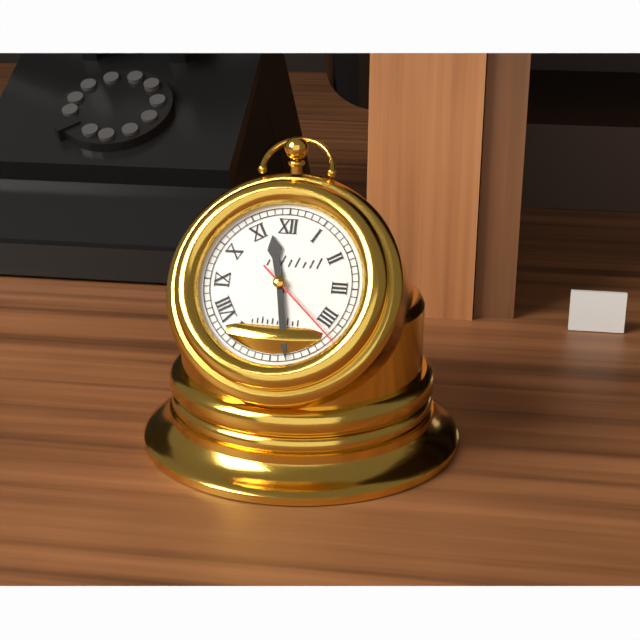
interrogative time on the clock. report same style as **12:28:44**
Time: **11:28:22**
